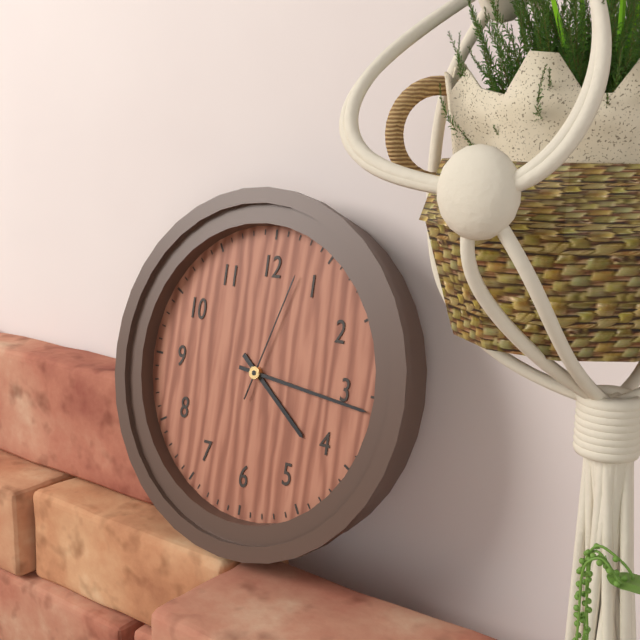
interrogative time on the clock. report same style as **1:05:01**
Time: **4:16:03**
